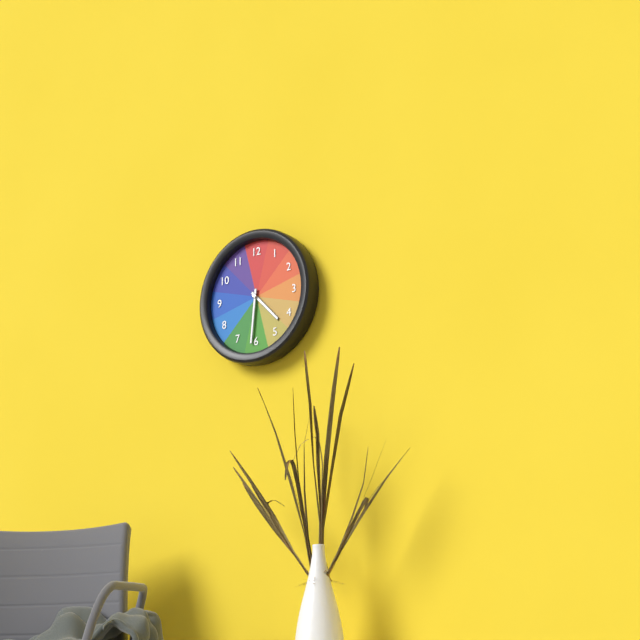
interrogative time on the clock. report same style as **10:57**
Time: **4:31**
